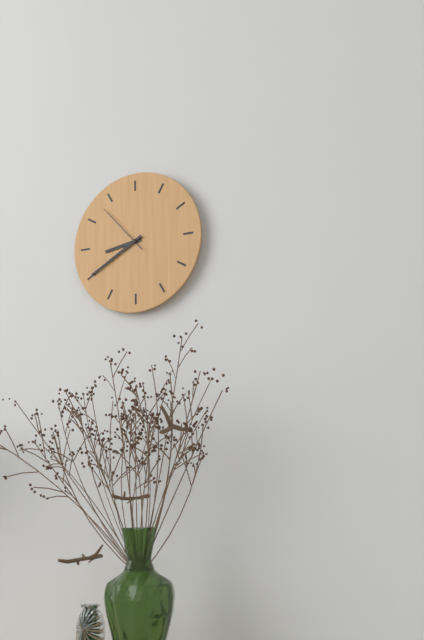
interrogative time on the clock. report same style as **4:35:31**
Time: **8:40:53**
